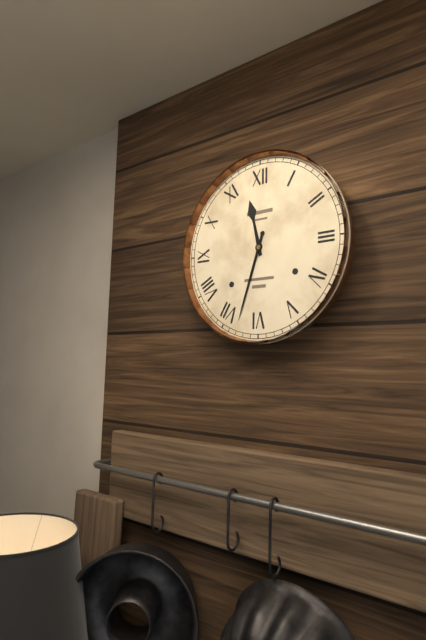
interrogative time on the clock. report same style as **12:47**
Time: **11:33**
